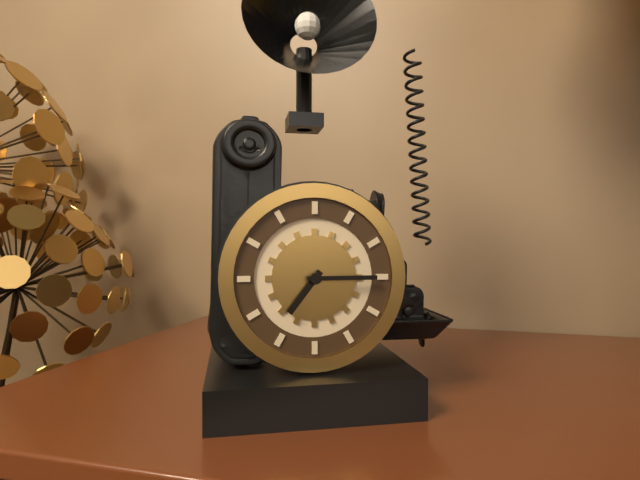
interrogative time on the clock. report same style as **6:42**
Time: **7:15**
